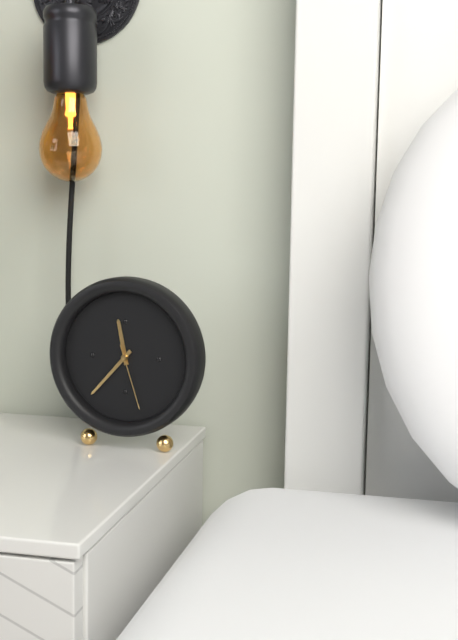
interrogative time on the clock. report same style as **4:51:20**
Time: **11:37:27**
